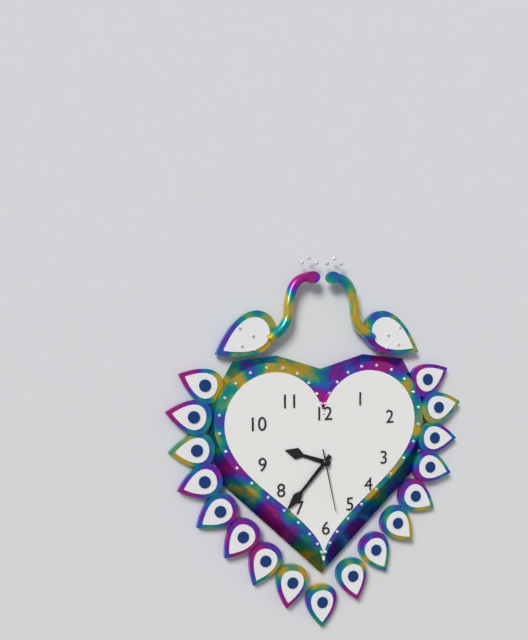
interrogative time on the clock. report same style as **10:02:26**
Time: **9:37:28**
